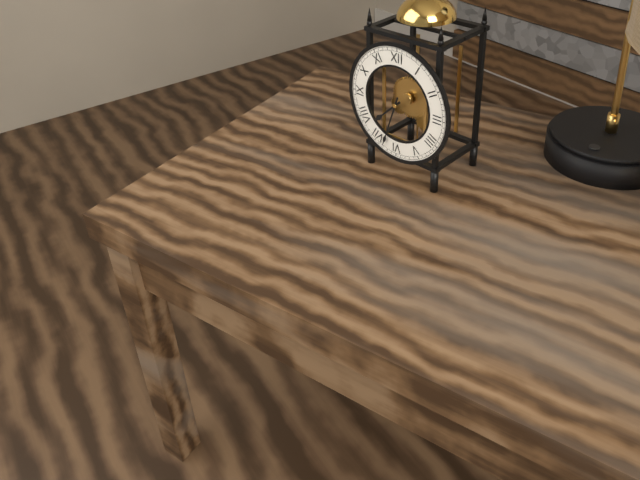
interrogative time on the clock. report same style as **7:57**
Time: **7:33**
